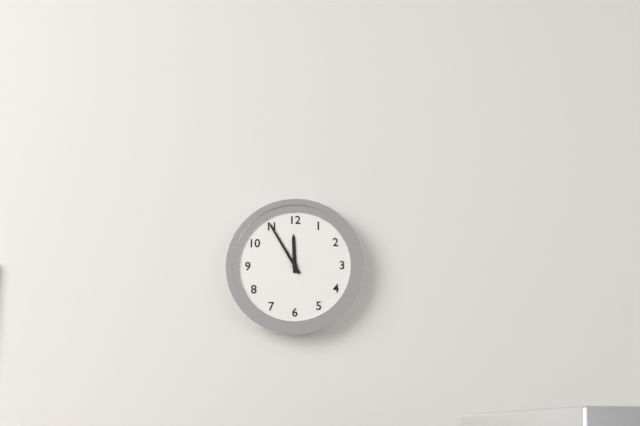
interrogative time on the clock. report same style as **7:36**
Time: **11:55**
